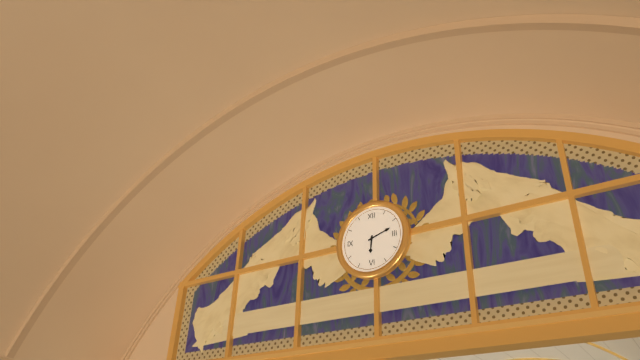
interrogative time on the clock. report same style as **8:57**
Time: **6:12**
